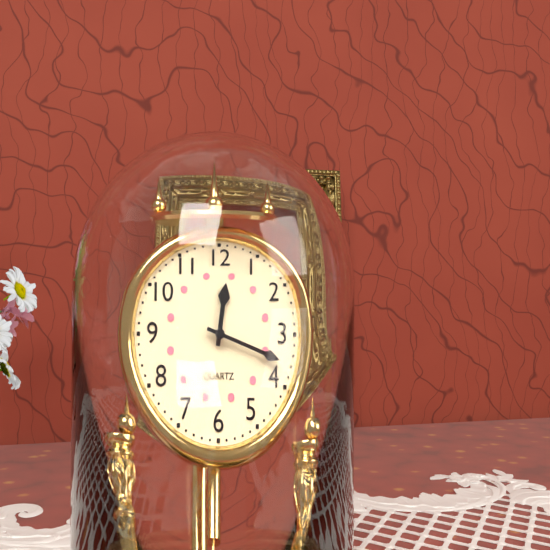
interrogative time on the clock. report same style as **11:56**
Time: **12:18**
